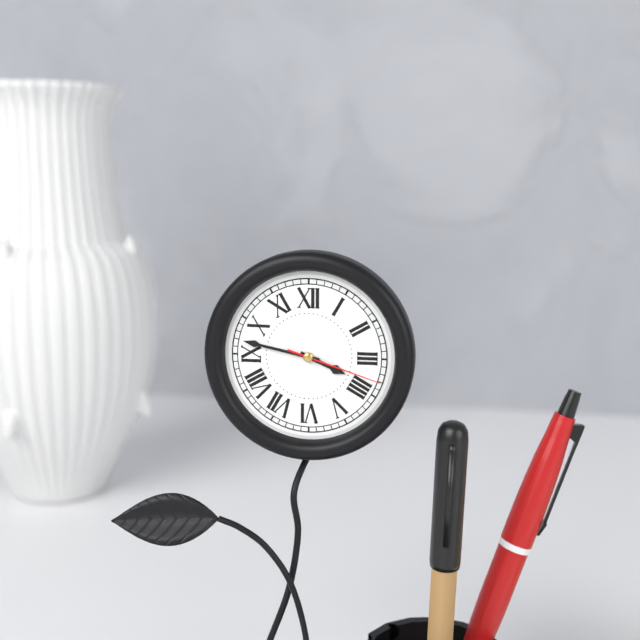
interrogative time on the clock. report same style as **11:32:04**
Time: **3:47:18**
